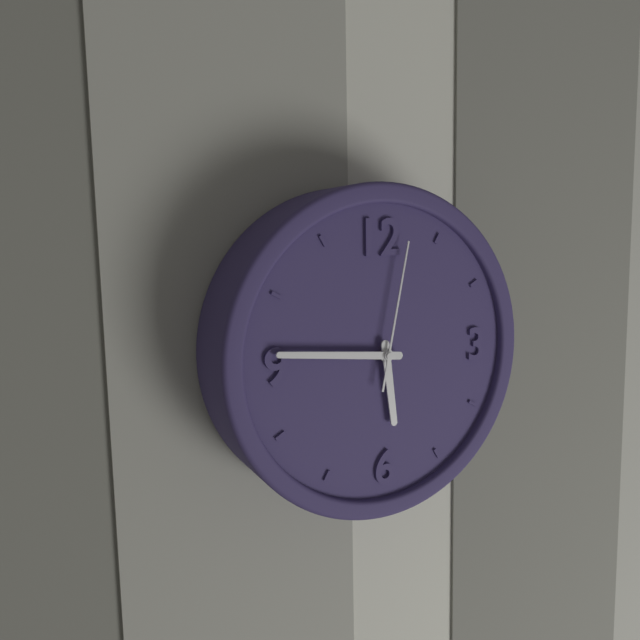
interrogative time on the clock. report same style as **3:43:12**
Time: **5:46:02**
